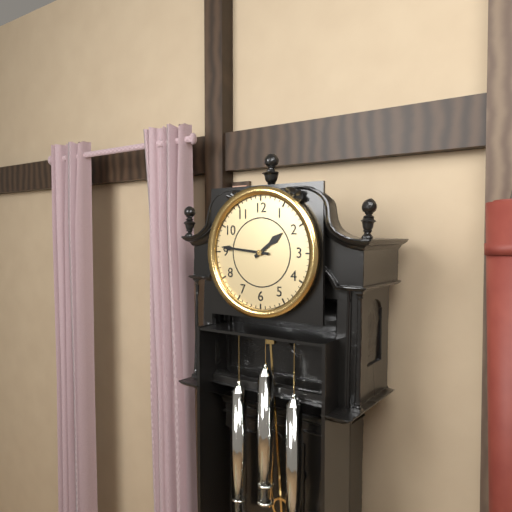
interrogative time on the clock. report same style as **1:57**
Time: **1:46**
